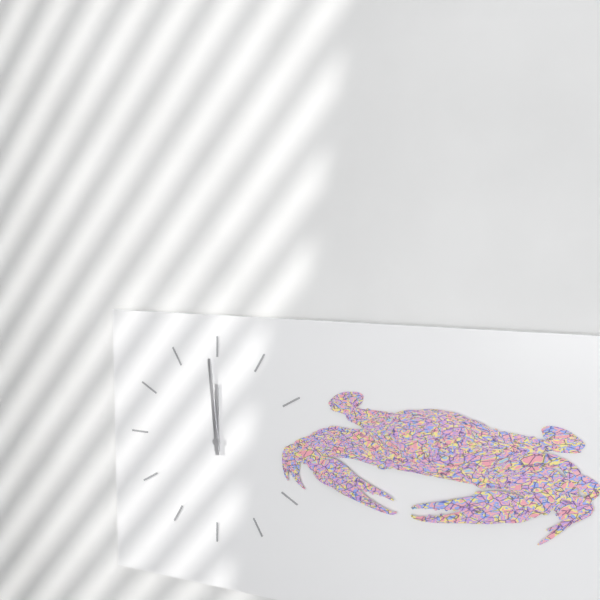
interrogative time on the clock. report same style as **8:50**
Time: **11:59**
